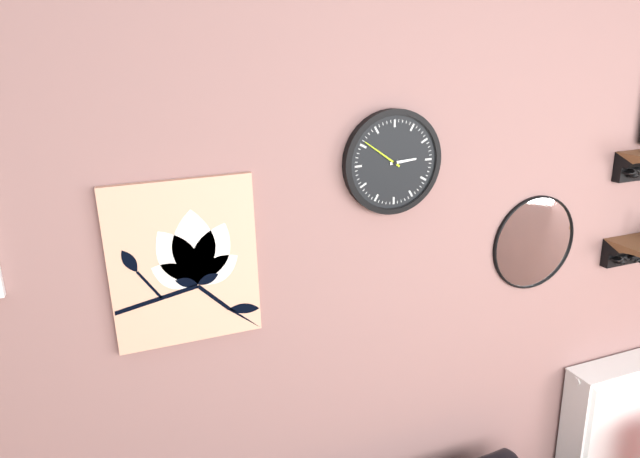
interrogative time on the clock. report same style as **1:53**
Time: **2:51**
